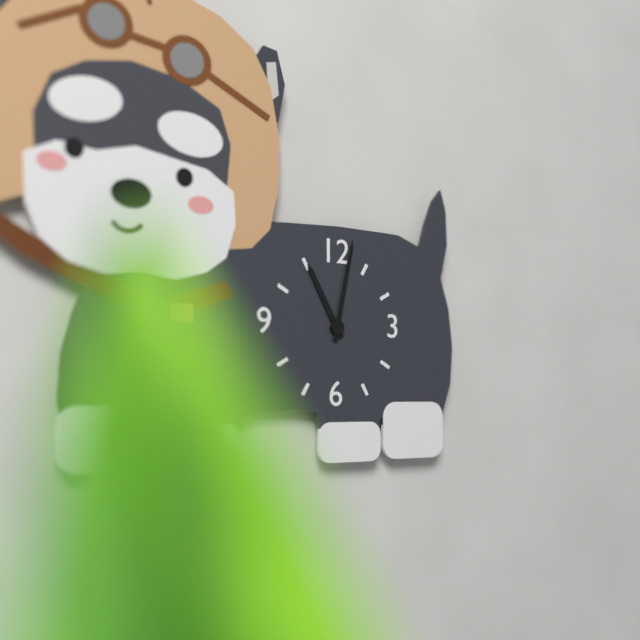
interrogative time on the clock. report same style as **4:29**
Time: **11:02**
